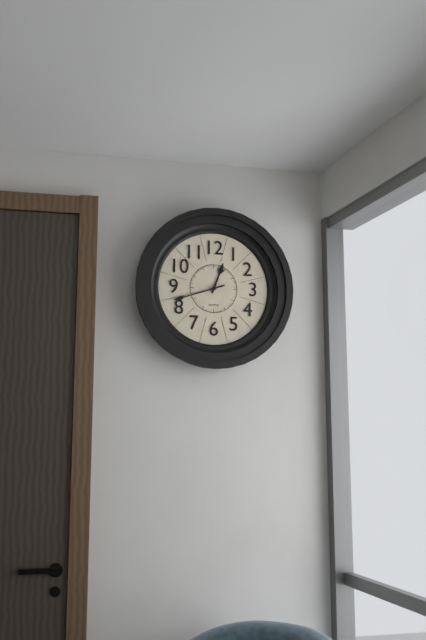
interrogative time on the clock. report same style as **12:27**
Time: **12:42**
